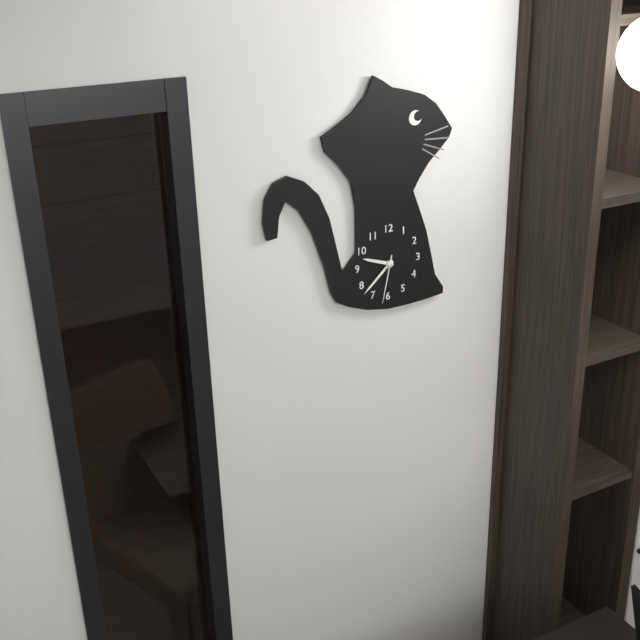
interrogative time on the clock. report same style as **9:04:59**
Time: **9:38:32**
